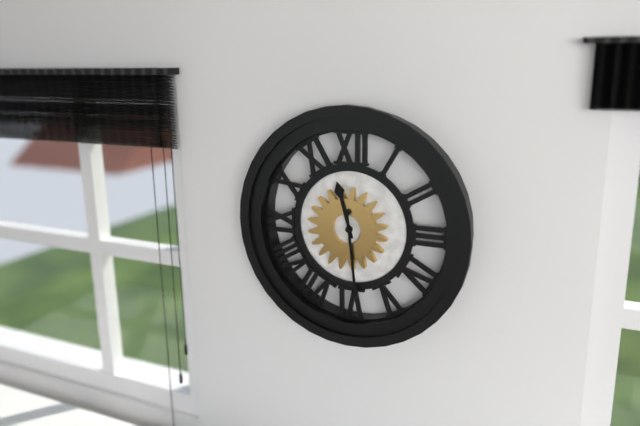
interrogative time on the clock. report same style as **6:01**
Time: **11:29**
